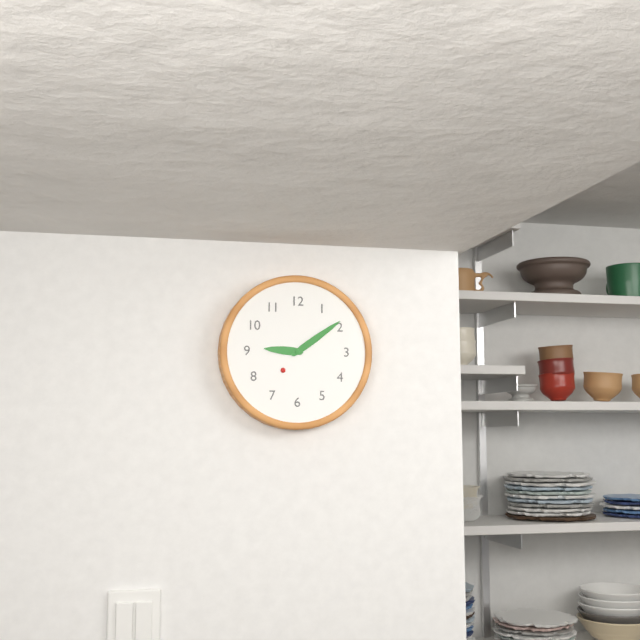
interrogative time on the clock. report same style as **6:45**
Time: **9:09**
